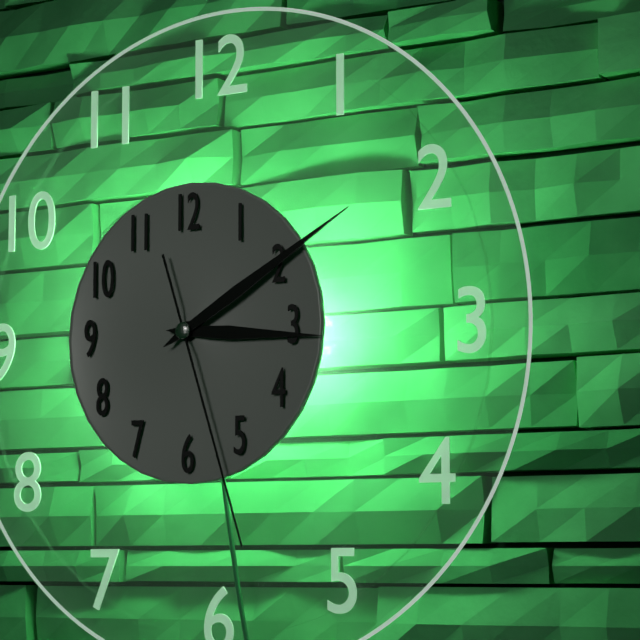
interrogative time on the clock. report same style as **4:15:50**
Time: **3:10:27**
